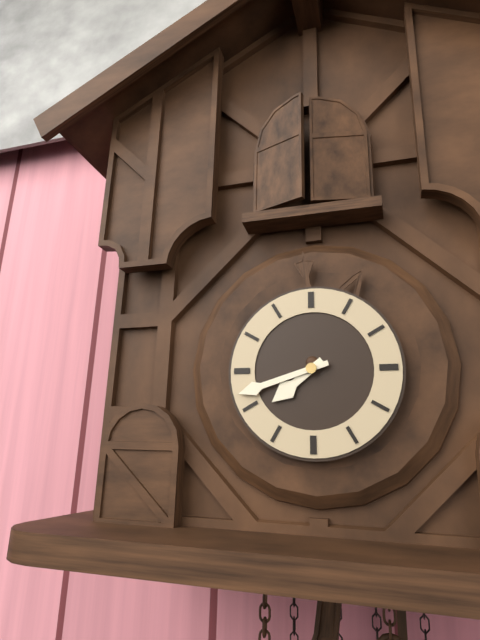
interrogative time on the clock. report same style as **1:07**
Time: **7:42**
